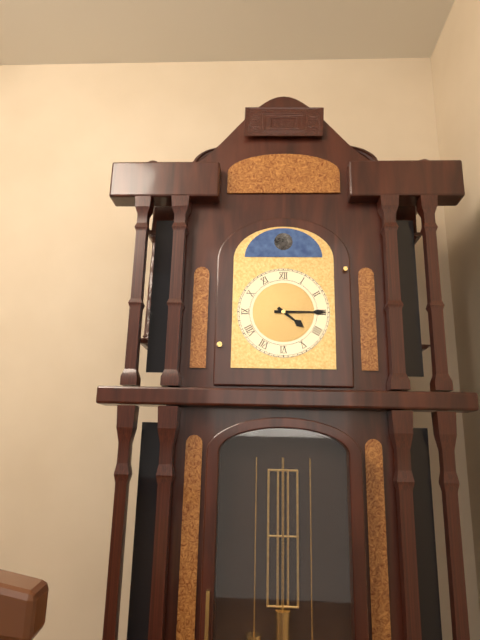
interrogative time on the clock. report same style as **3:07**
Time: **4:15**
